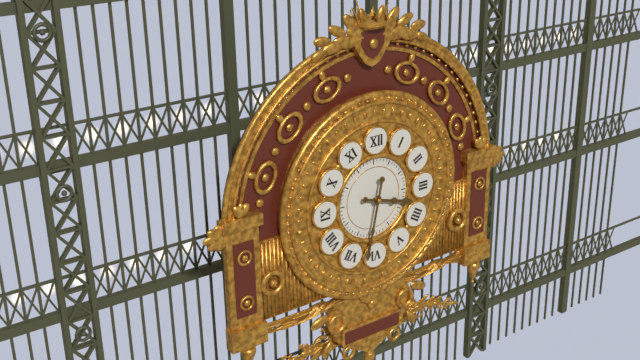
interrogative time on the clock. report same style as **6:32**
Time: **3:32**
